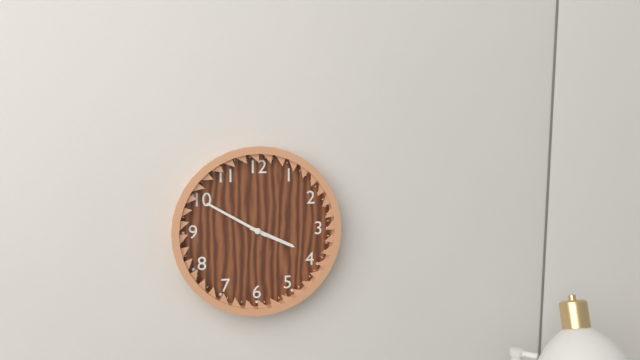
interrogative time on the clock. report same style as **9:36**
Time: **3:50**
